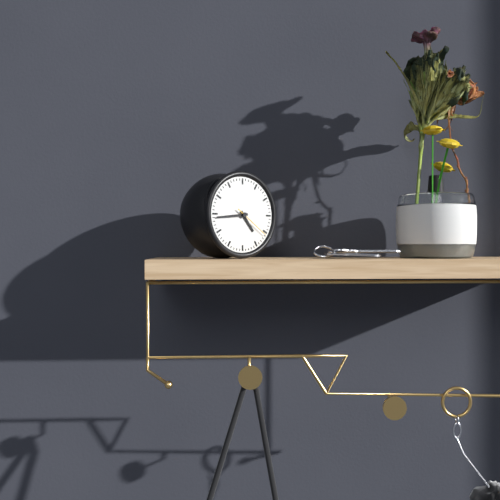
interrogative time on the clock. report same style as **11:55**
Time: **4:44**
